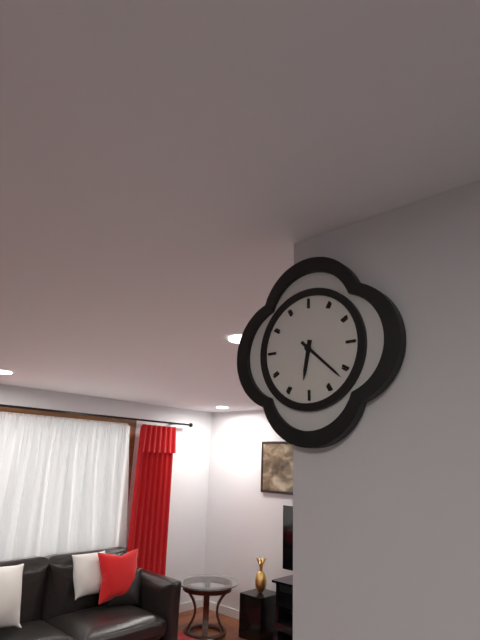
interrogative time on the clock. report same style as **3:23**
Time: **6:22**
